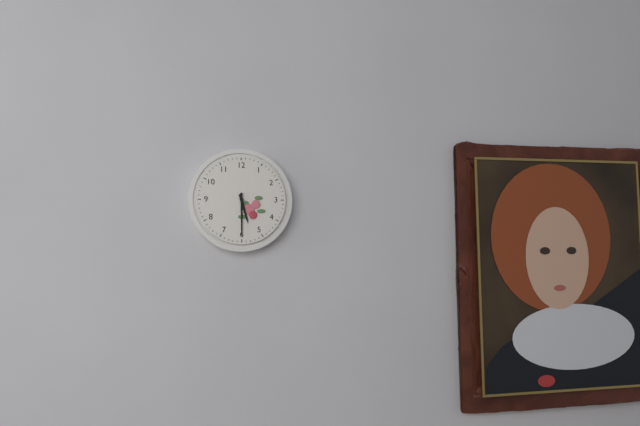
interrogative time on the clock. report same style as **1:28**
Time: **5:30**
